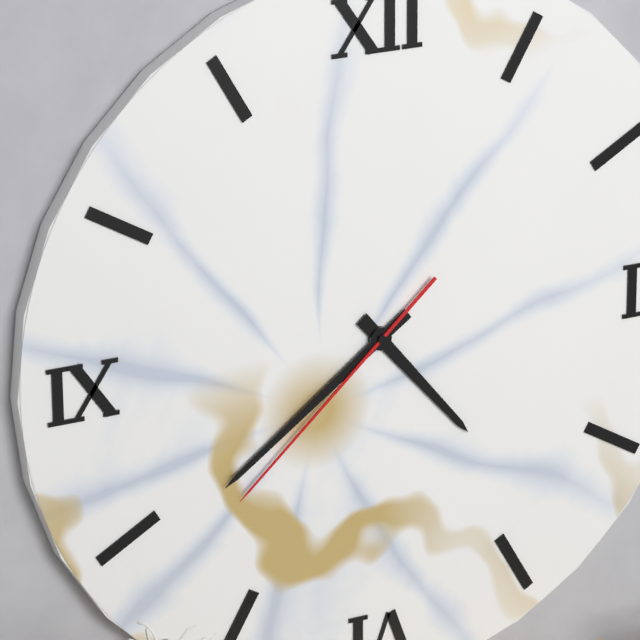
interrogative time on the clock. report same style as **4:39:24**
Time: **4:39:38**
